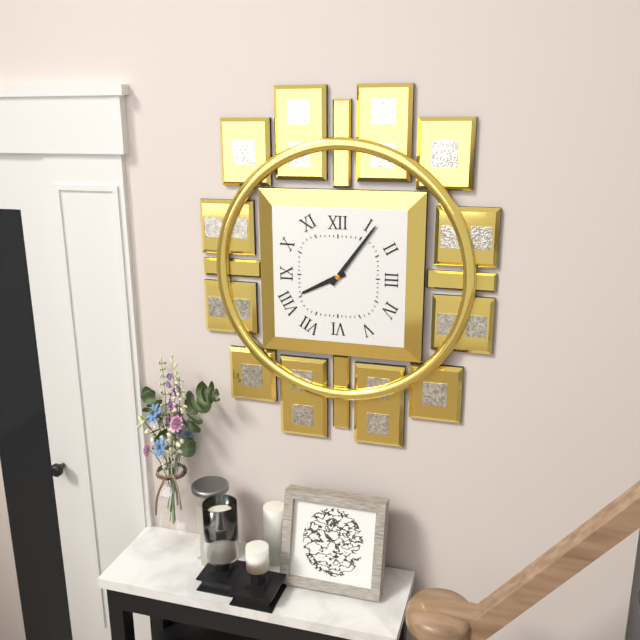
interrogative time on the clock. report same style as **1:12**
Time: **8:06**
